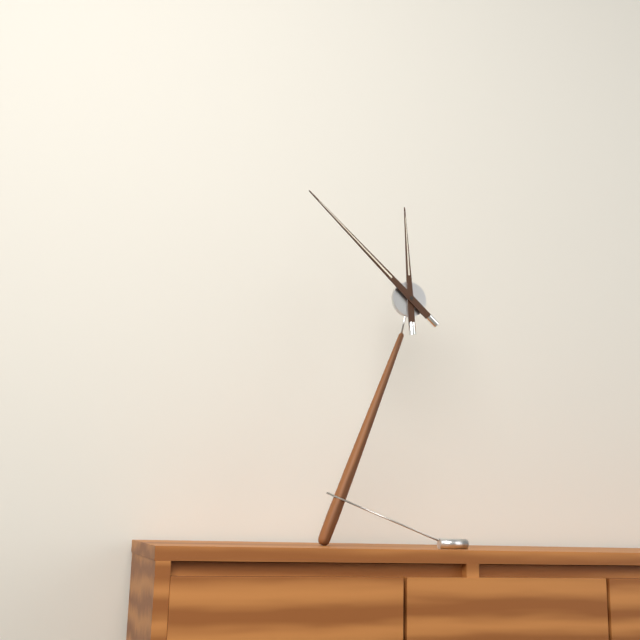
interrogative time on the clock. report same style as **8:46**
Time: **11:52**
